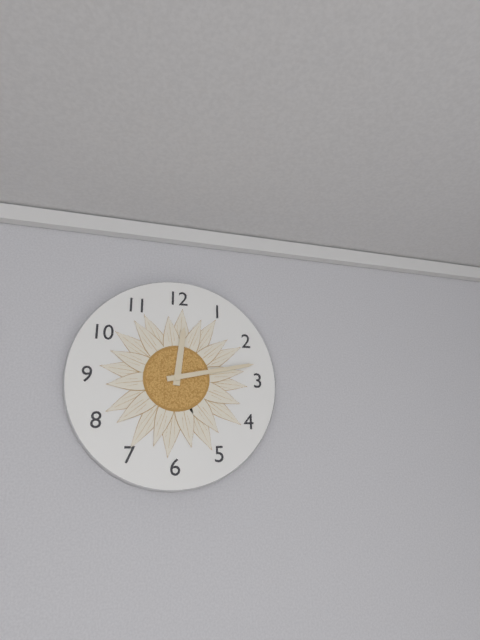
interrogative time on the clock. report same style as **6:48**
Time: **12:13**
